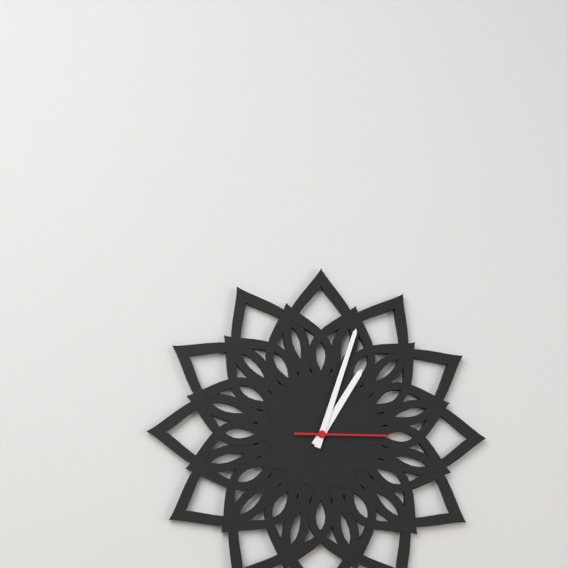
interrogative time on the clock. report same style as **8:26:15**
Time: **1:03:15**
